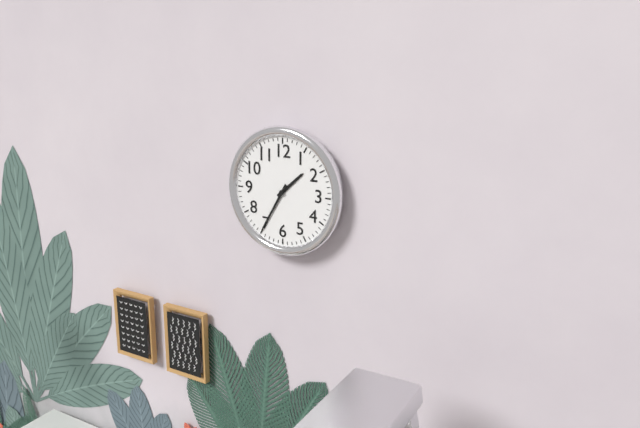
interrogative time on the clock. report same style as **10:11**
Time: **1:35**
